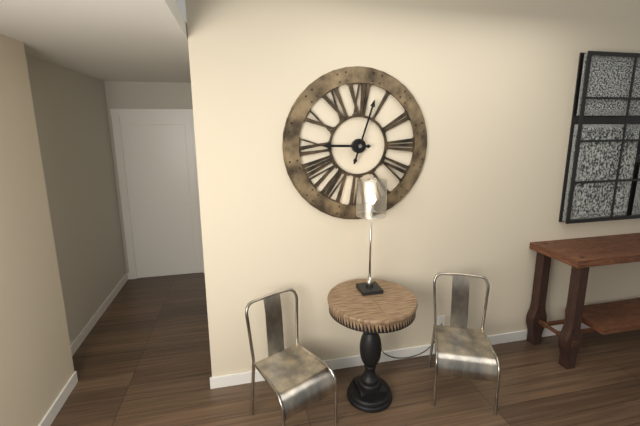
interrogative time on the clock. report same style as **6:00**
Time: **9:03**
